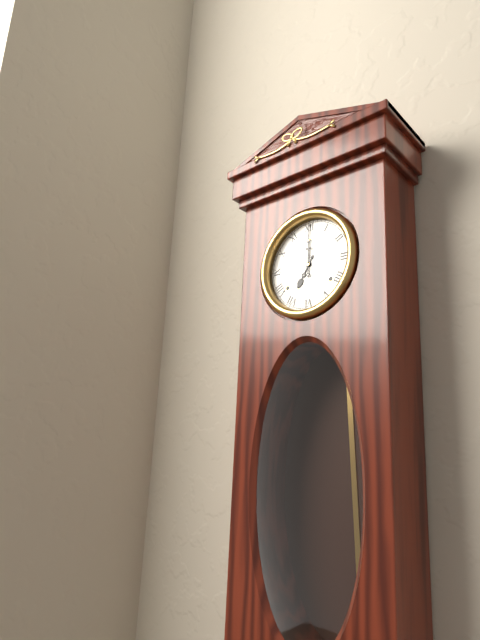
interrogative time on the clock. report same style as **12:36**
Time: **7:00**
